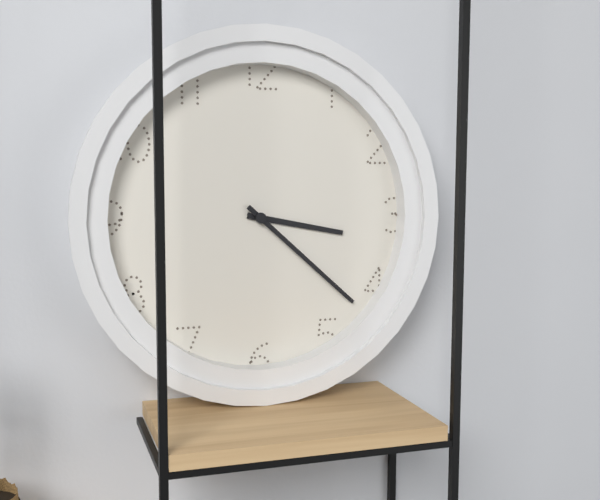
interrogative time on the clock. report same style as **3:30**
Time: **3:22**
